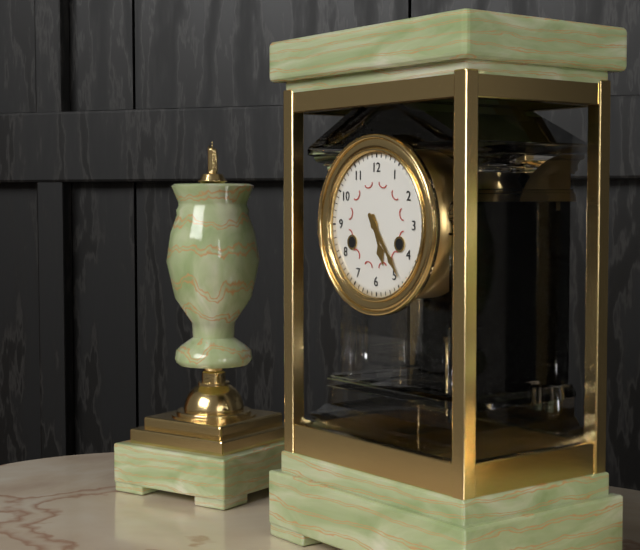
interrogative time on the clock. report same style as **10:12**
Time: **5:24**
